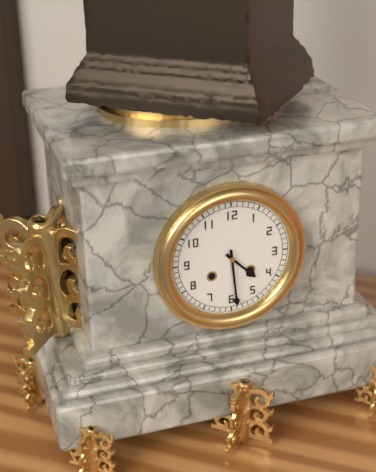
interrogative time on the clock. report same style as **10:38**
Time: **4:29**
